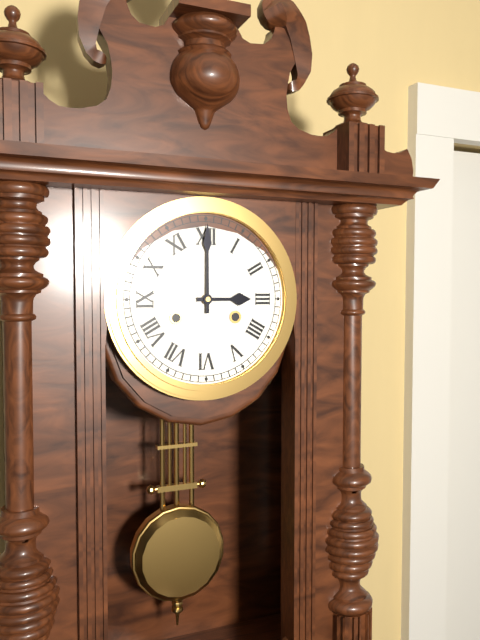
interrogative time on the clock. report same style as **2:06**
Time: **3:00**
